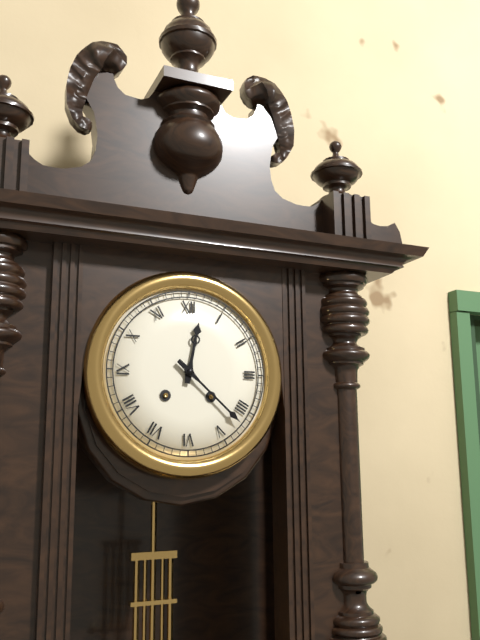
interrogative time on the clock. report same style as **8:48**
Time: **12:22**
